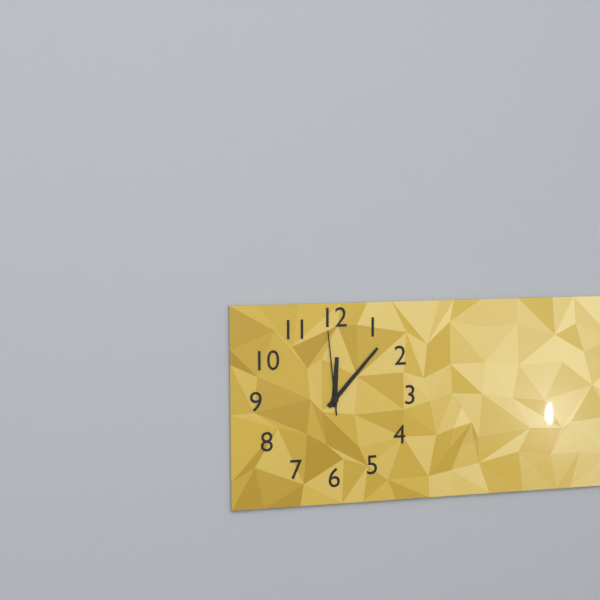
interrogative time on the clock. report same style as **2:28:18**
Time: **12:07:59**
